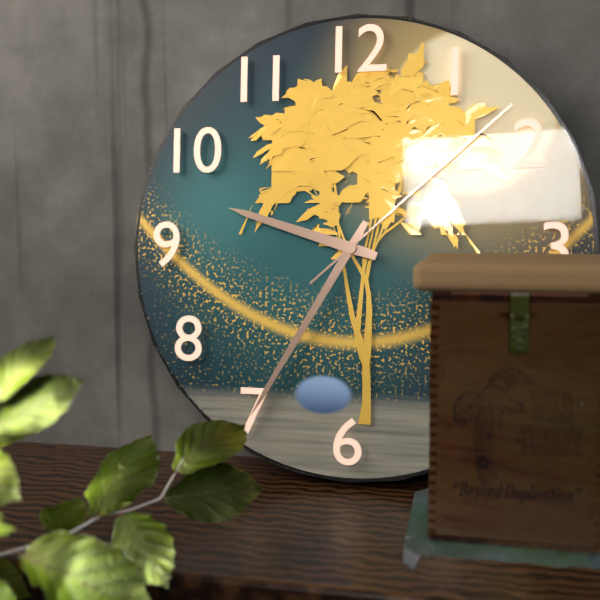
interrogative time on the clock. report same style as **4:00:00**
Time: **9:35:08**
